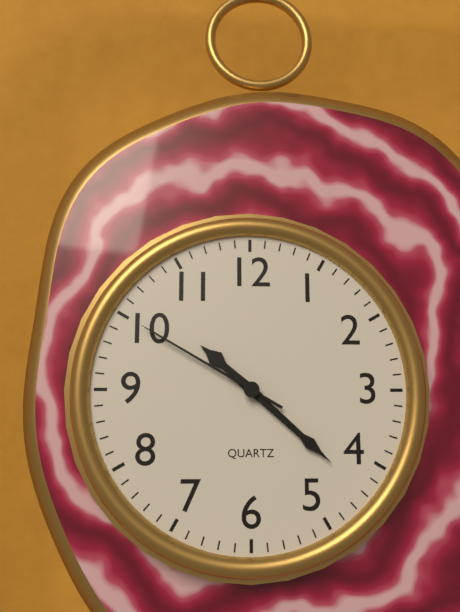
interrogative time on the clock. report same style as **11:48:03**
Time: **10:22:50**
